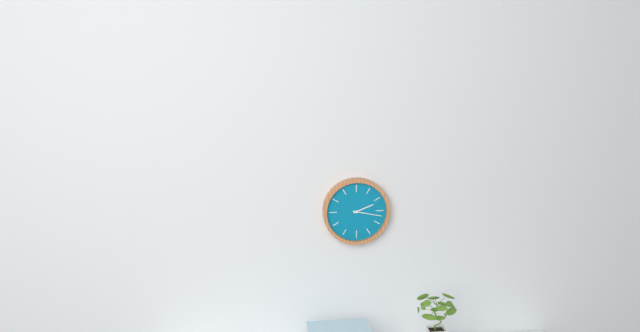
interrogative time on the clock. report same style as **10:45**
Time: **2:17**
